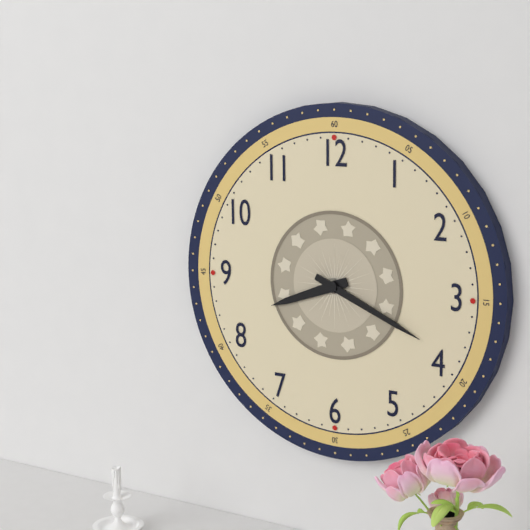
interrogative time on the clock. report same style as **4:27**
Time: **8:19**
